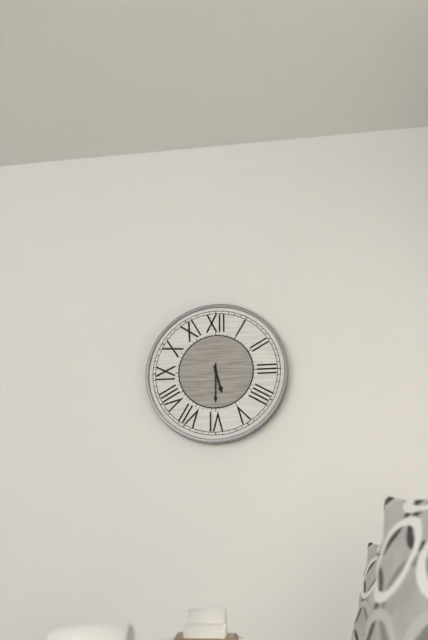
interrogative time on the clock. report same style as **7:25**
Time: **5:30**
